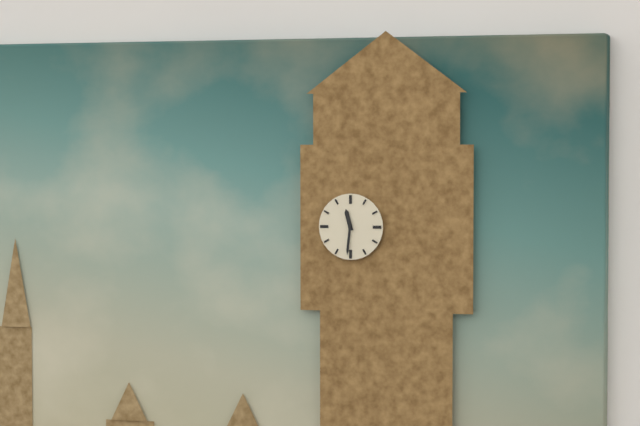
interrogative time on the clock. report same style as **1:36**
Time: **11:31**
